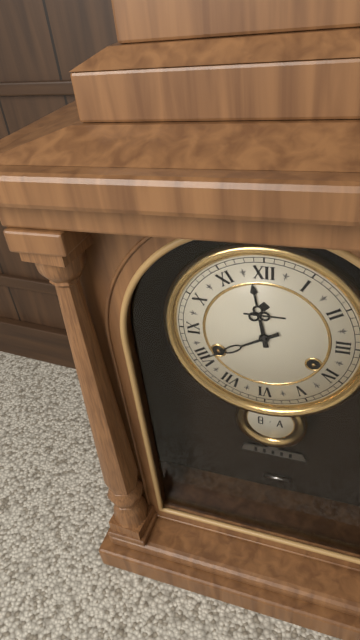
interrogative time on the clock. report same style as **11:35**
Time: **11:40**
